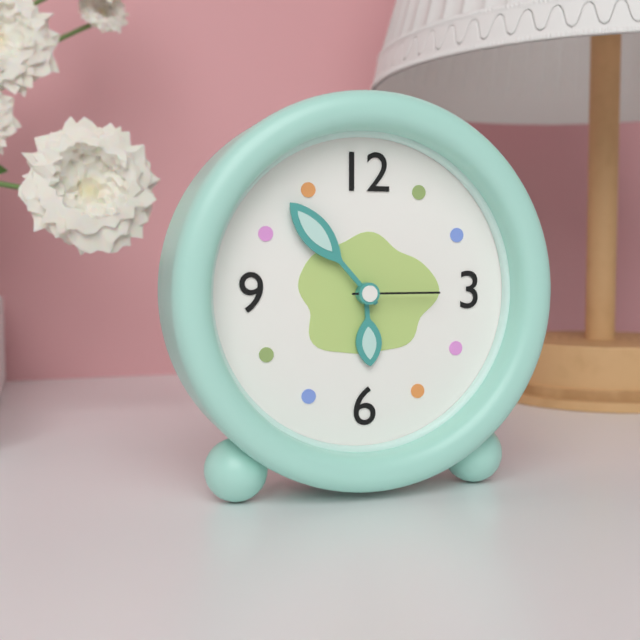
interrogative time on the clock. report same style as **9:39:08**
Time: **5:53:15**
